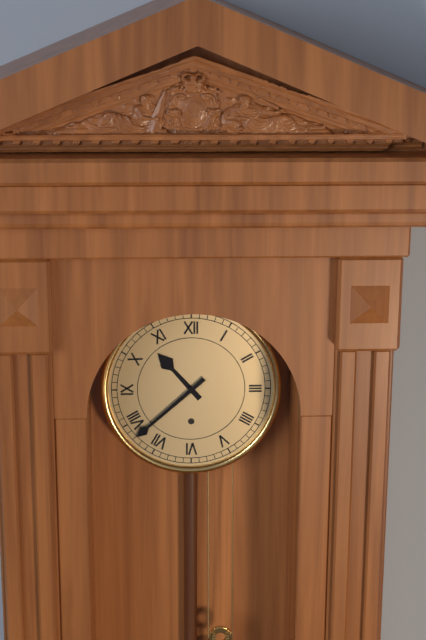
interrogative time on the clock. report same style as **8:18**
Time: **10:38**
